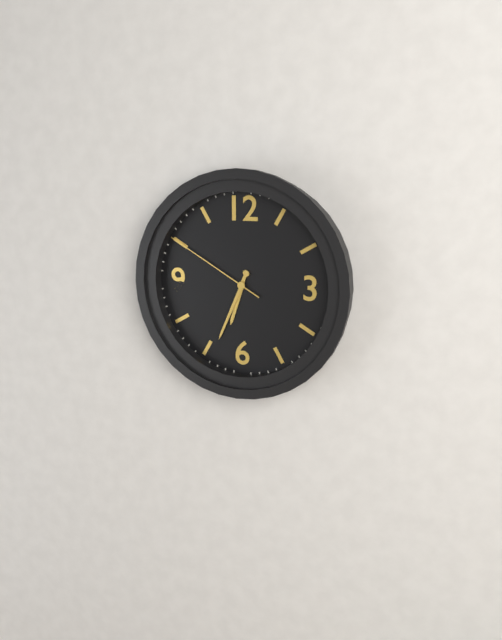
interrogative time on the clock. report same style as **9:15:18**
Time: **6:34:50**
